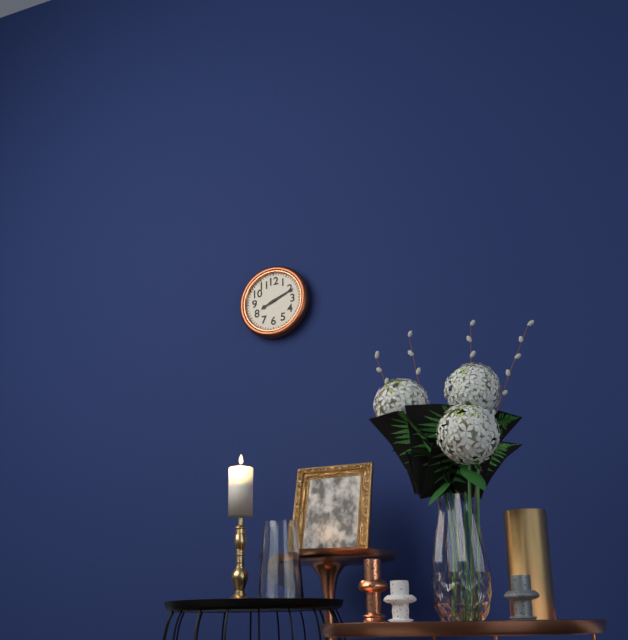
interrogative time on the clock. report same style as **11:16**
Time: **8:11**
